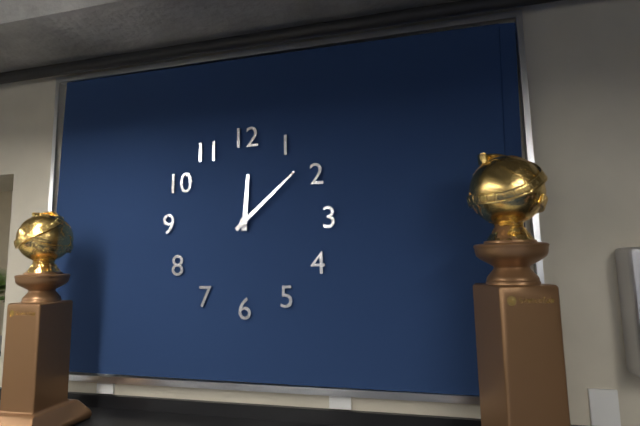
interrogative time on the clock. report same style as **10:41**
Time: **12:08**
